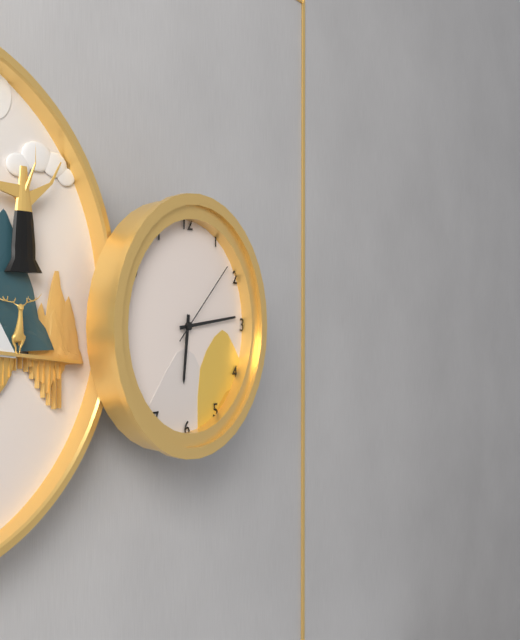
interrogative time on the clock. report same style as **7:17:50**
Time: **6:14:08**
